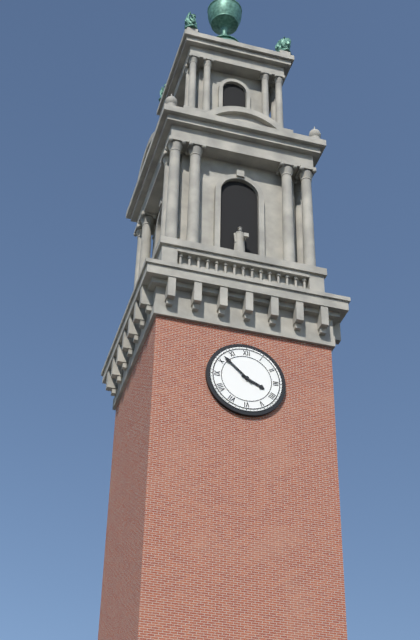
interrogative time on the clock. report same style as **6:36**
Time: **3:52**
